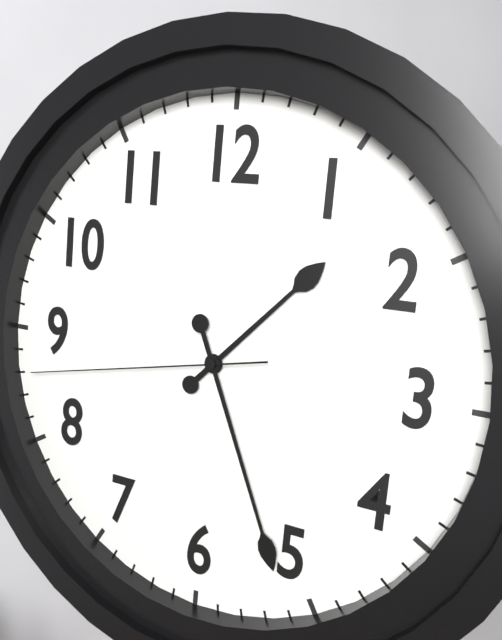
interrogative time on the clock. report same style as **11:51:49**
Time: **1:26:43**
